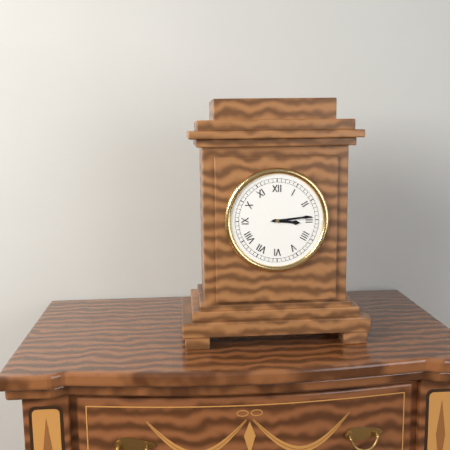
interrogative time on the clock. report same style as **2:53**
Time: **3:14**
